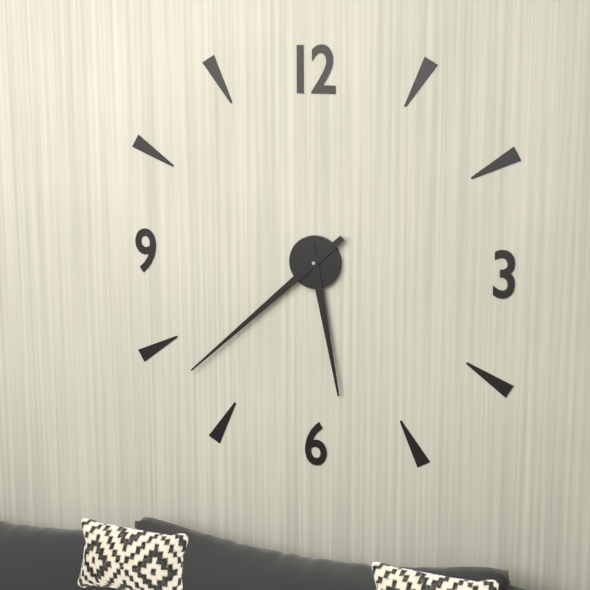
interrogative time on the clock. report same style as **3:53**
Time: **5:38**
